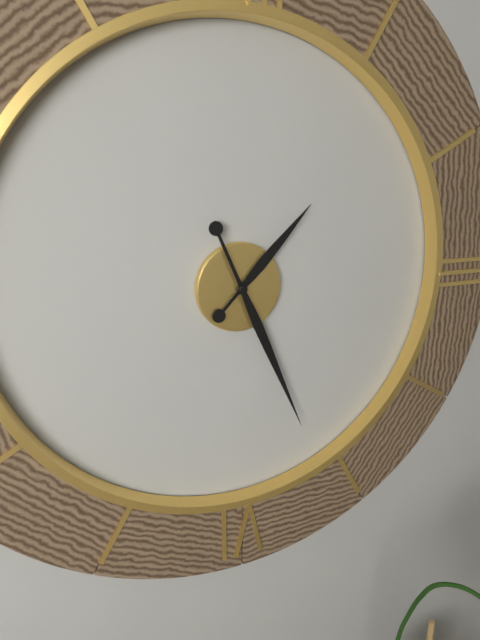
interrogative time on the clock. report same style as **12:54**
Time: **1:26**
